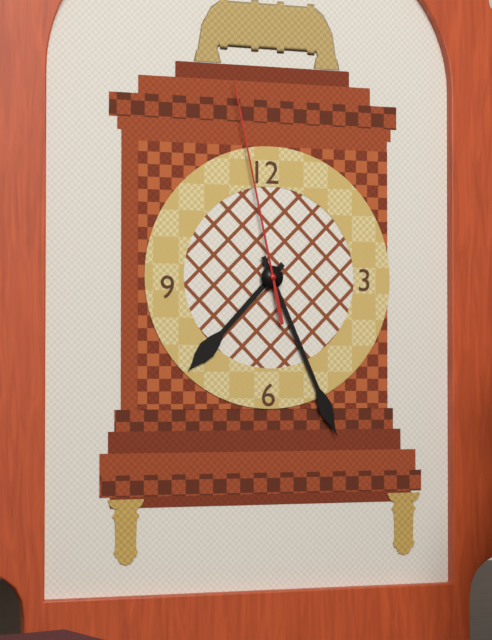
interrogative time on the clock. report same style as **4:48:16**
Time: **7:26:58**
